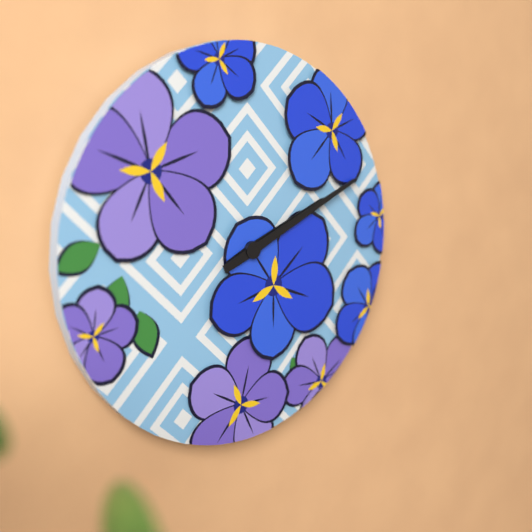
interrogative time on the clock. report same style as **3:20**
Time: **2:11**
